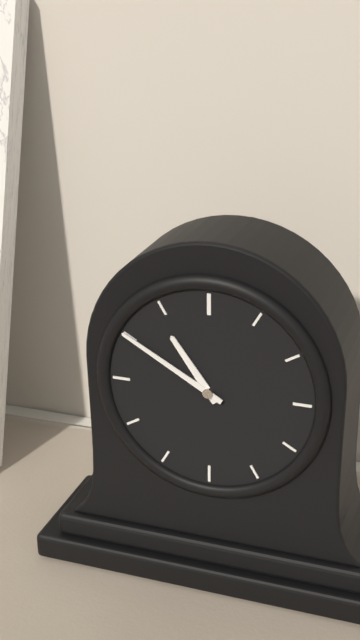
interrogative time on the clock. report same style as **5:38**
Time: **10:50**
